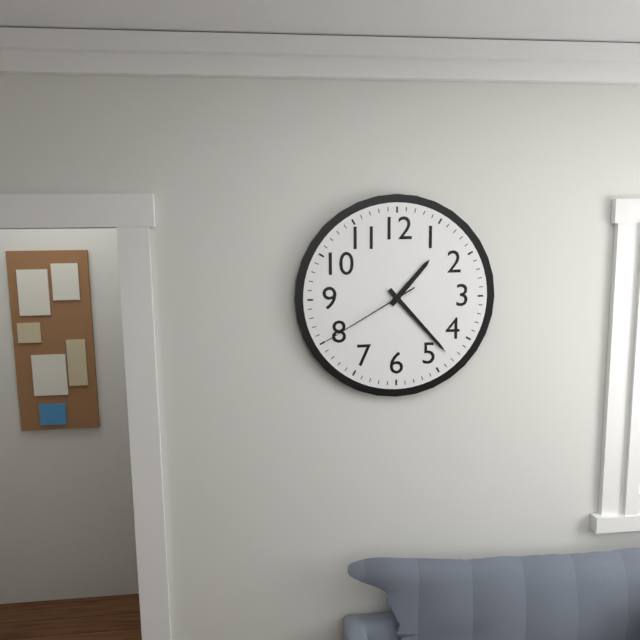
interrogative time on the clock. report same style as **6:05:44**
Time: **1:23:40**
